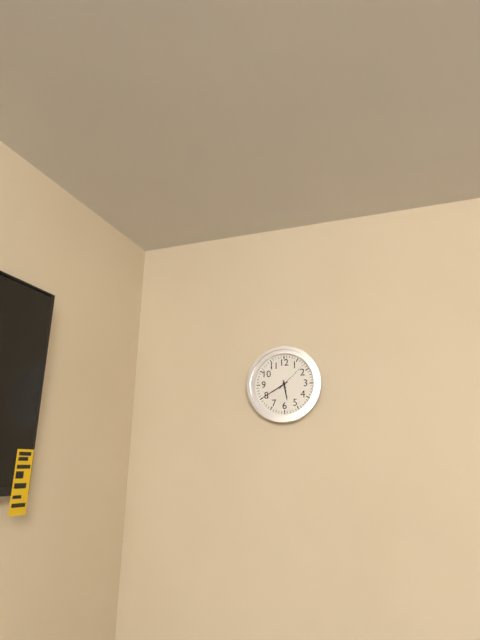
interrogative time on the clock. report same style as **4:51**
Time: **5:40**
